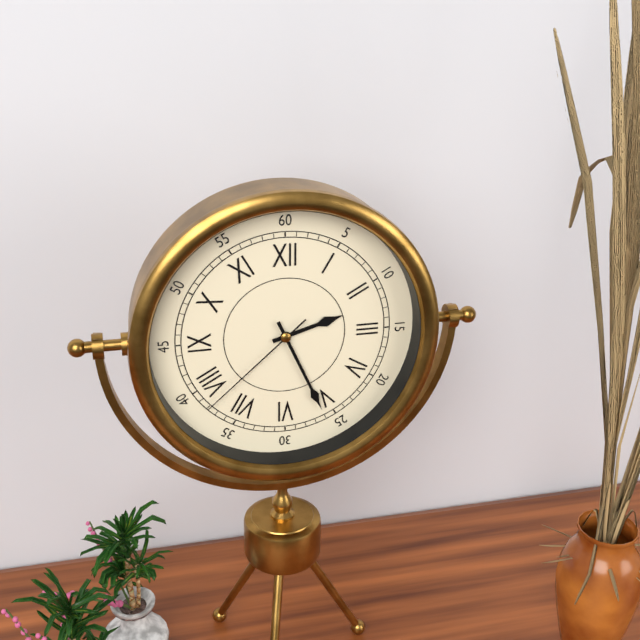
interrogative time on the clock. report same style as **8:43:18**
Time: **2:26:38**
